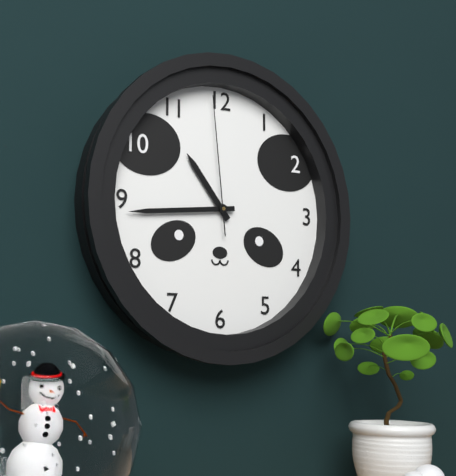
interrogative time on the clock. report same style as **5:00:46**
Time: **10:44:59**
